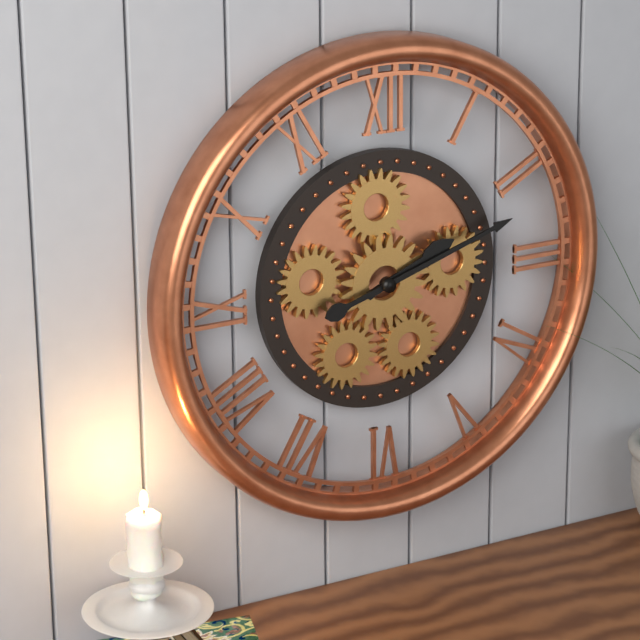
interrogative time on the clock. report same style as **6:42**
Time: **2:12**
